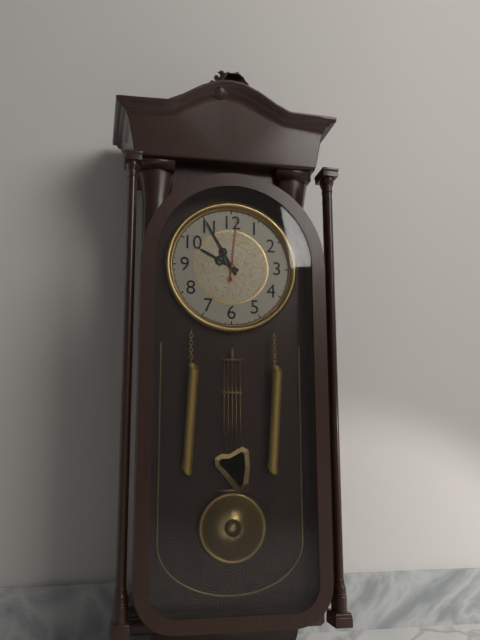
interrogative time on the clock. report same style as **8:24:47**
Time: **9:55:01**
